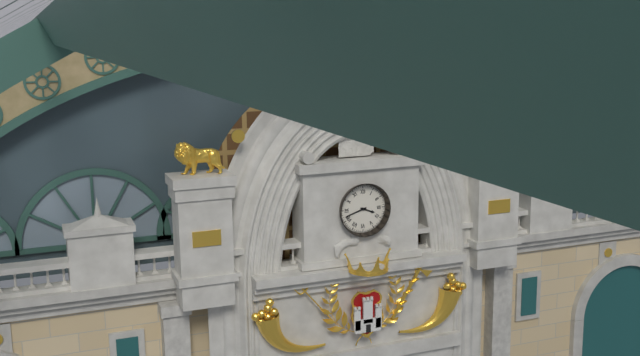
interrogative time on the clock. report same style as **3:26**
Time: **3:42**
